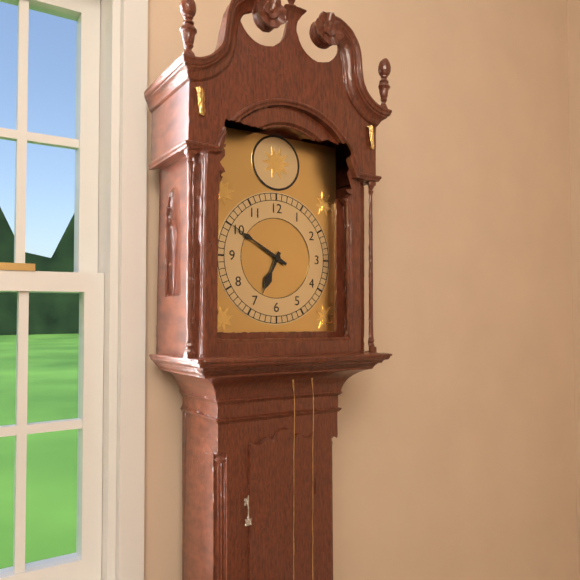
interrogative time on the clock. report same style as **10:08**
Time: **6:50**
